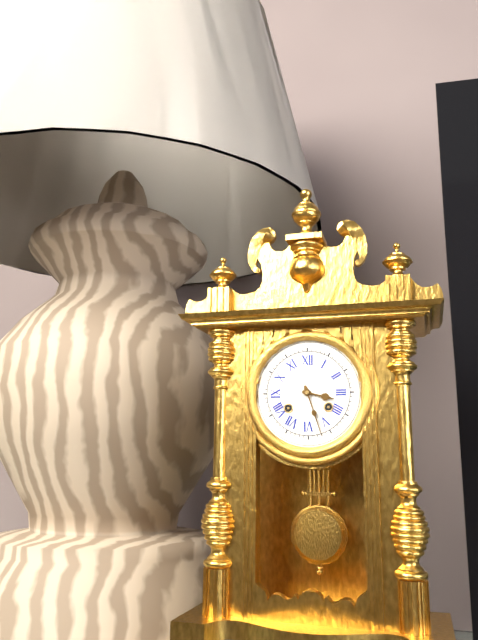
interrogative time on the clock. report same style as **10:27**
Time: **3:27**
